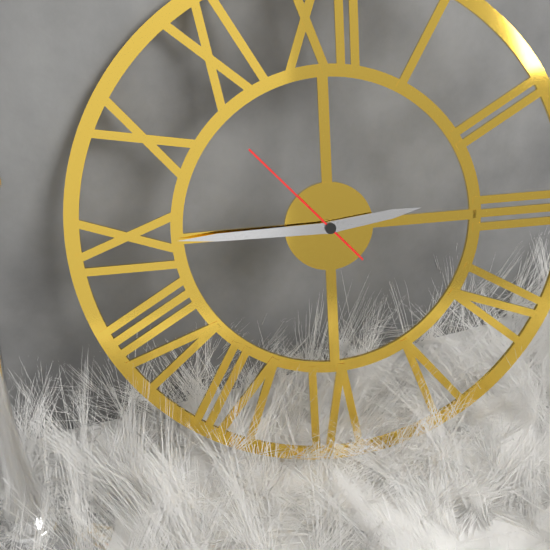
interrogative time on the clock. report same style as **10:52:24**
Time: **2:45:53**
